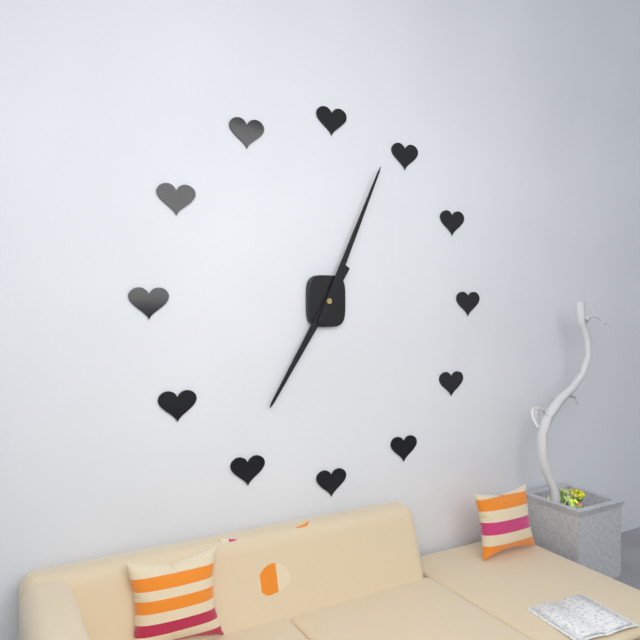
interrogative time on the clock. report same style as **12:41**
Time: **7:04**
